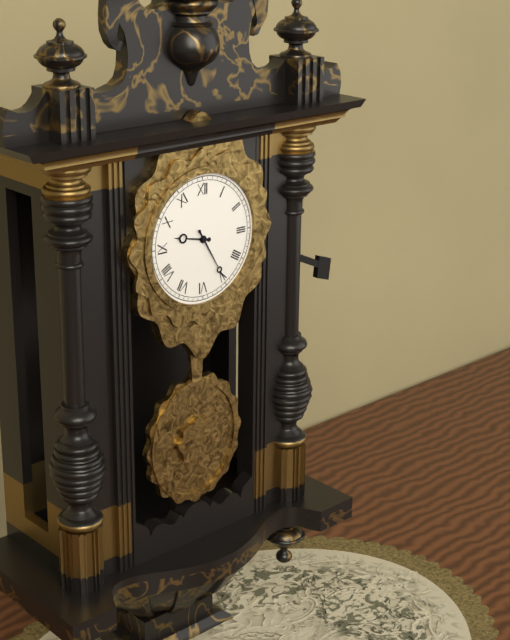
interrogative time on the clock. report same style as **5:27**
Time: **9:25**
